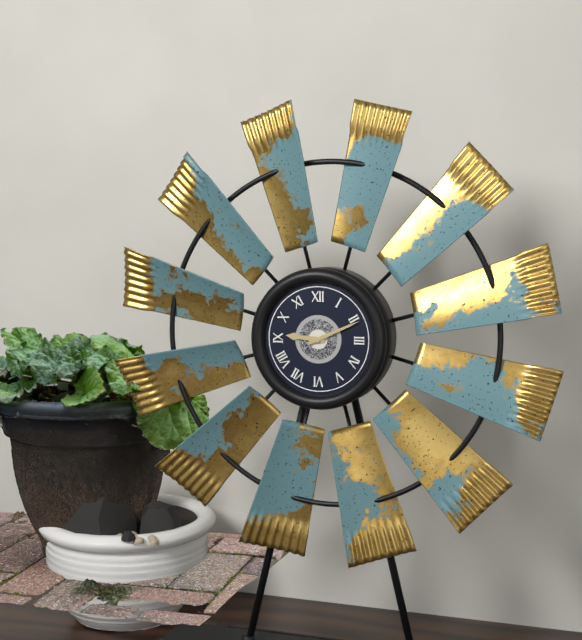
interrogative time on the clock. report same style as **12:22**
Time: **9:11**
